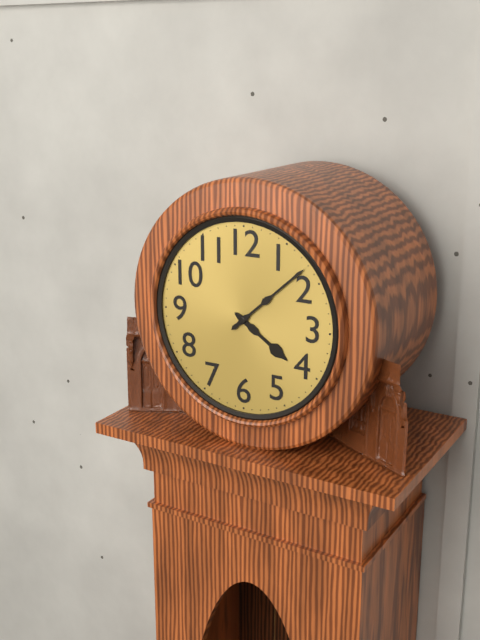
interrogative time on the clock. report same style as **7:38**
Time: **4:08**
